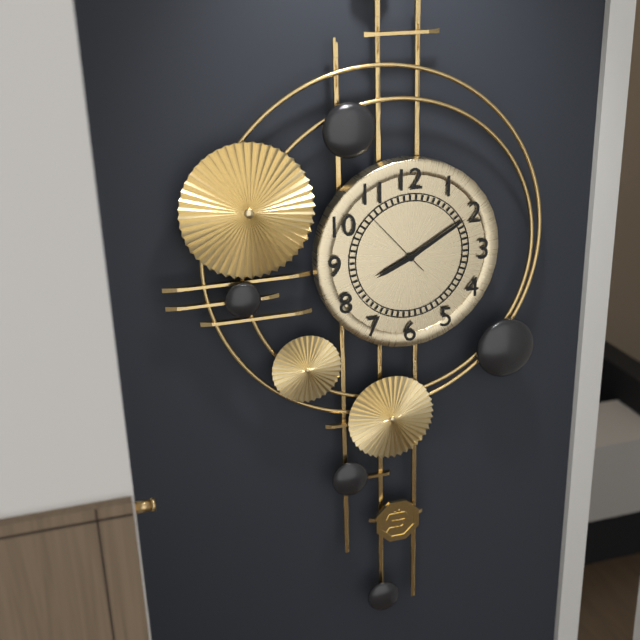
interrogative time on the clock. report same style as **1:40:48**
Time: **8:10:53**
